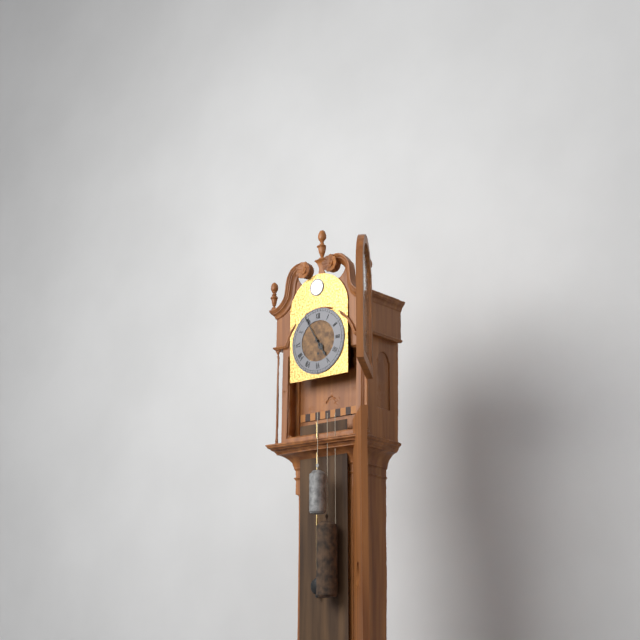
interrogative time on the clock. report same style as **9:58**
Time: **4:55**
